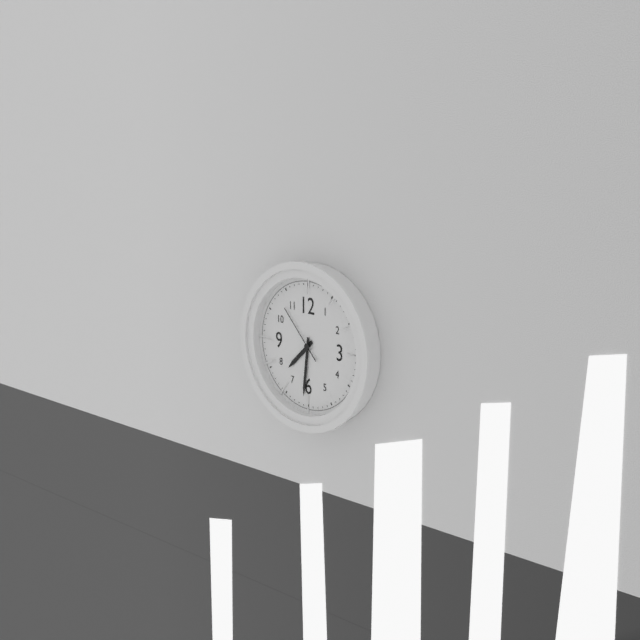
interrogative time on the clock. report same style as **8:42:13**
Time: **7:31:53**
